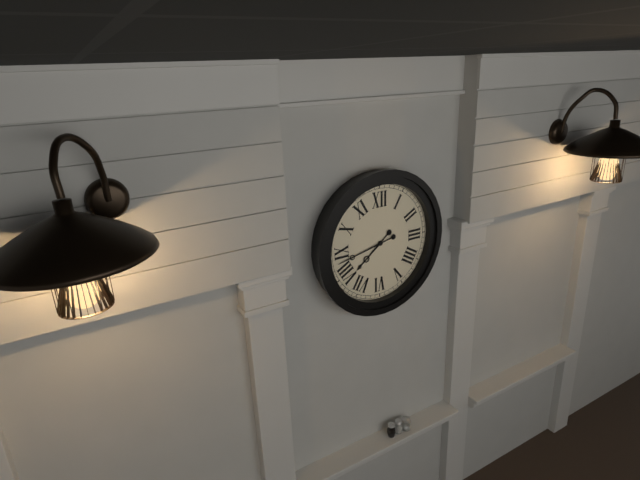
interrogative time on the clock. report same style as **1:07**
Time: **7:43**
